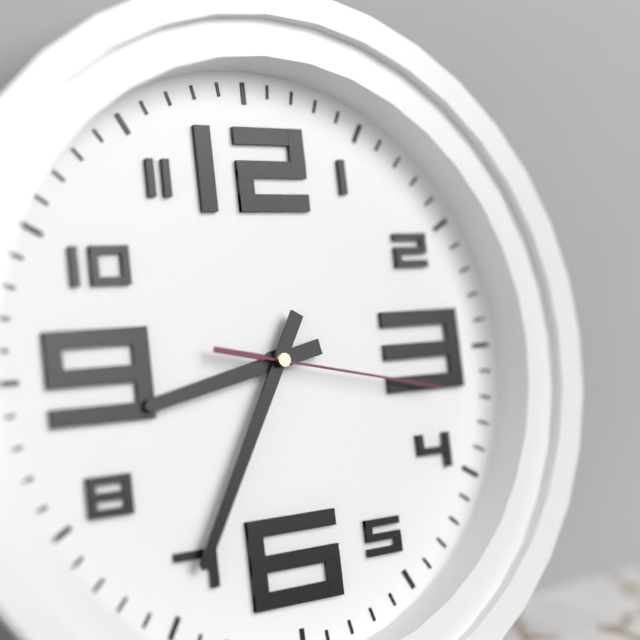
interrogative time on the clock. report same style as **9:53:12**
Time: **8:35:17**
